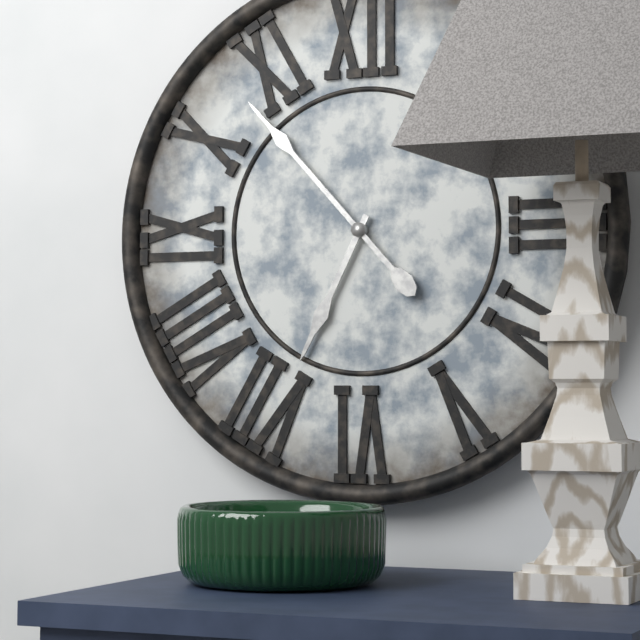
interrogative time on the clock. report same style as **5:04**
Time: **6:53**
